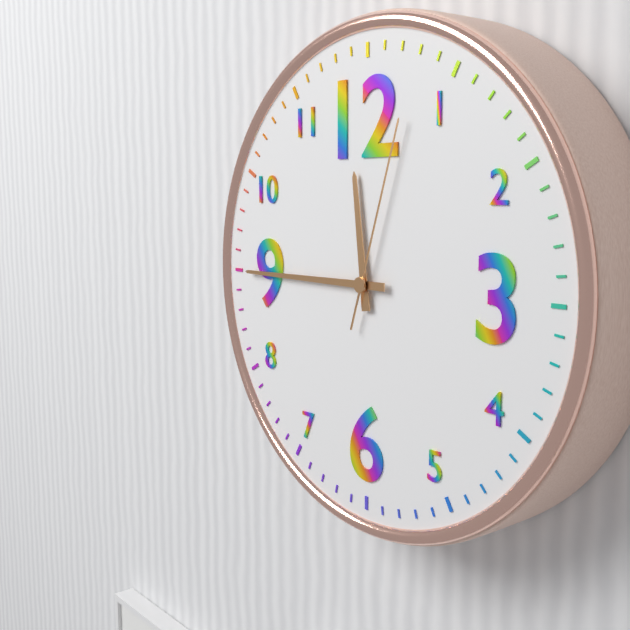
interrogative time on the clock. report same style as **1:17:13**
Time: **11:45:03**
